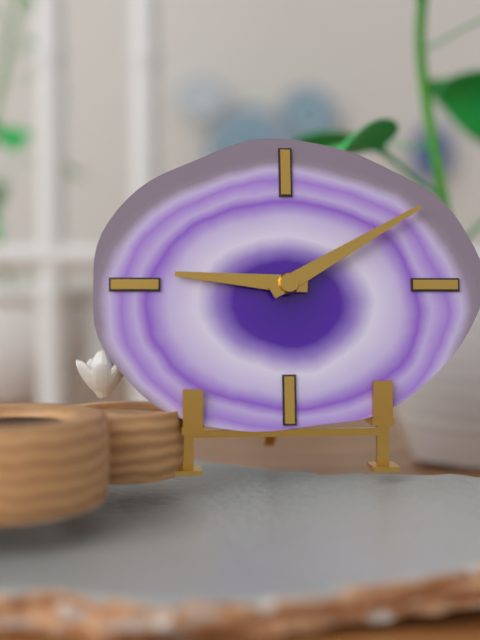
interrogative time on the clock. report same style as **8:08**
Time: **9:10**
